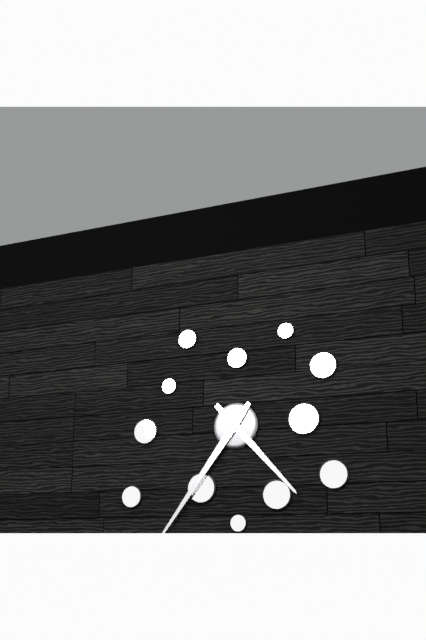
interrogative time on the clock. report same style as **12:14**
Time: **4:36**
